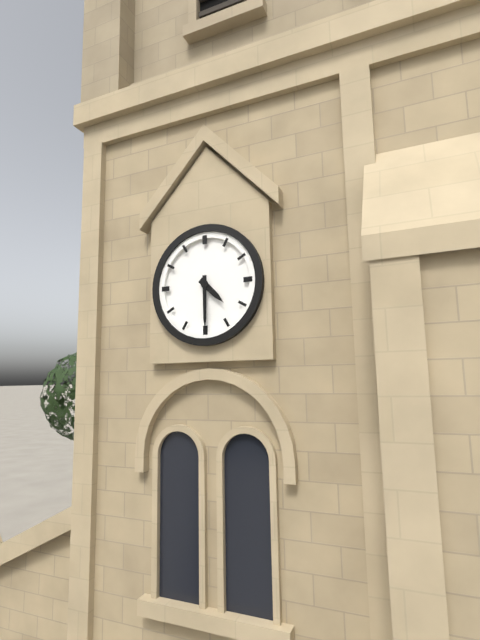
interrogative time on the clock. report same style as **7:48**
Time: **4:30**
